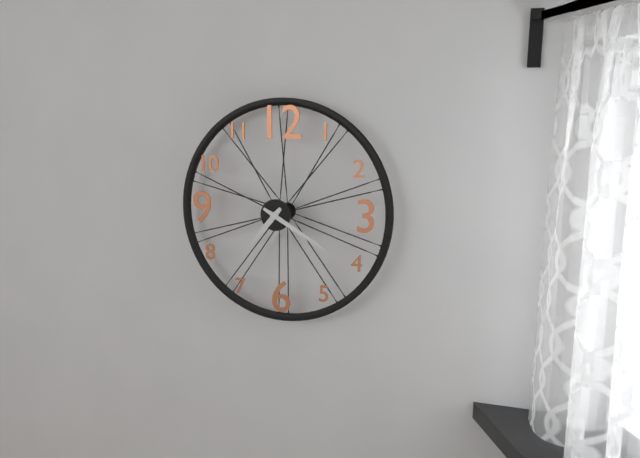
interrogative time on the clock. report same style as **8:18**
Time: **7:20**
